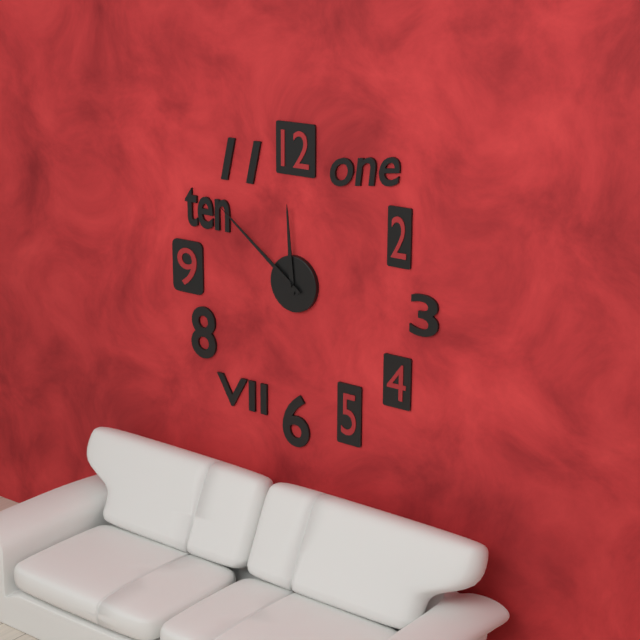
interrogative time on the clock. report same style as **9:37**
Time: **11:51**
